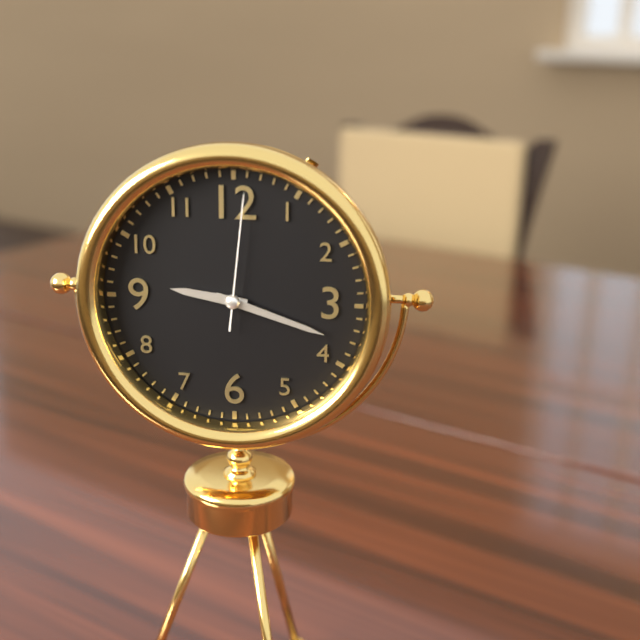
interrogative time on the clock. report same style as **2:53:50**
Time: **9:18:01**
